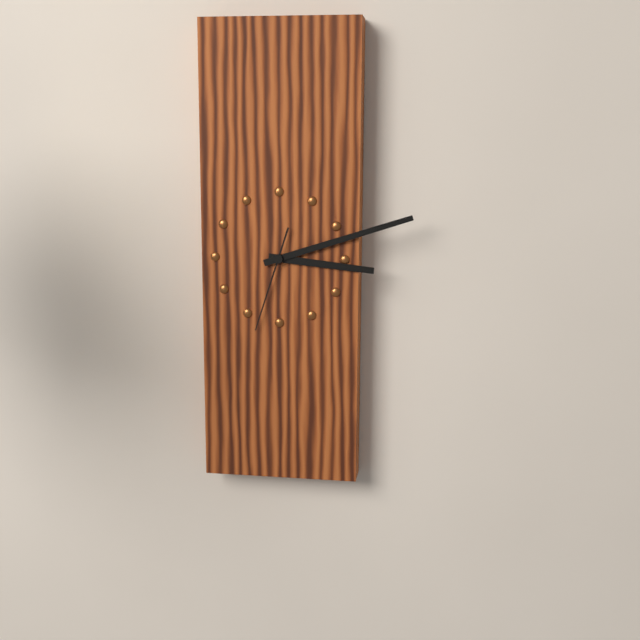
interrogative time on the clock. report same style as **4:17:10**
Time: **3:12:33**
